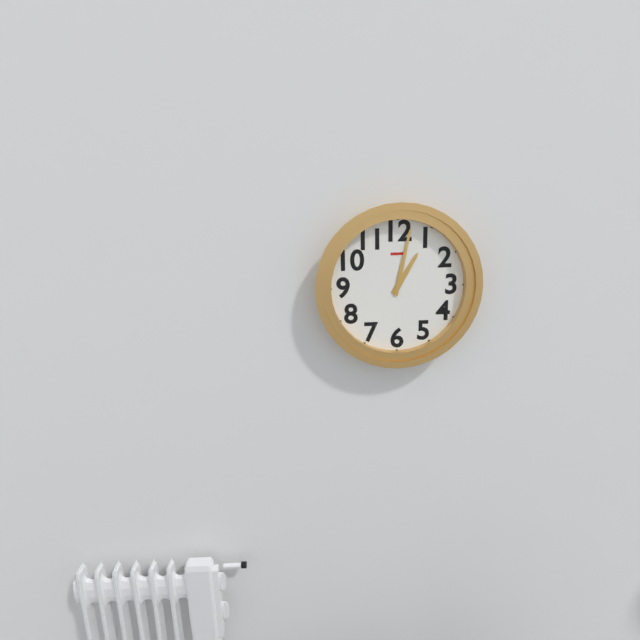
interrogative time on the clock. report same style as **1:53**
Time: **1:02**
